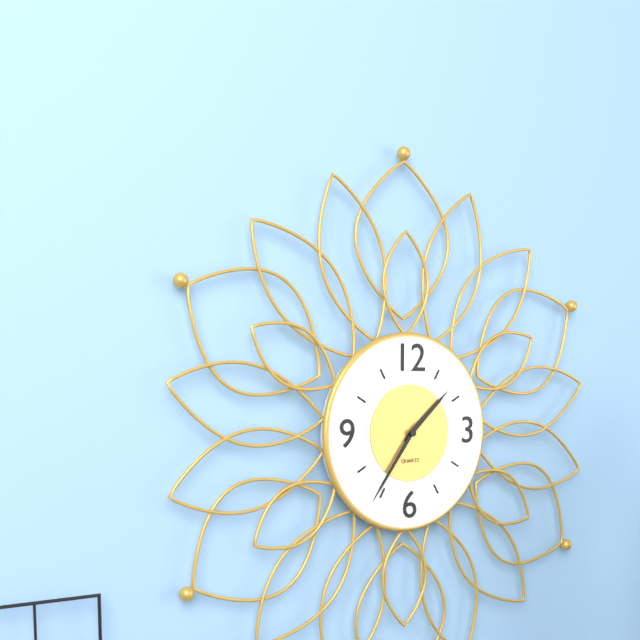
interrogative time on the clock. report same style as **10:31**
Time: **1:36**
